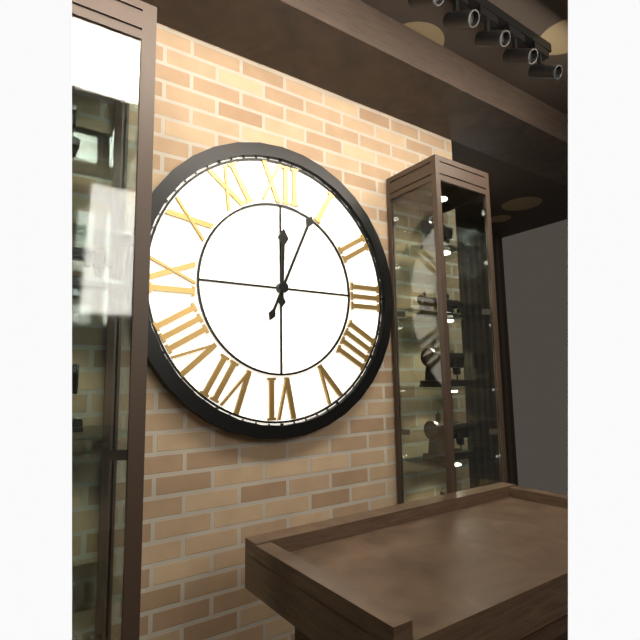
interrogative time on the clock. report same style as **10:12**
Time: **12:04**
